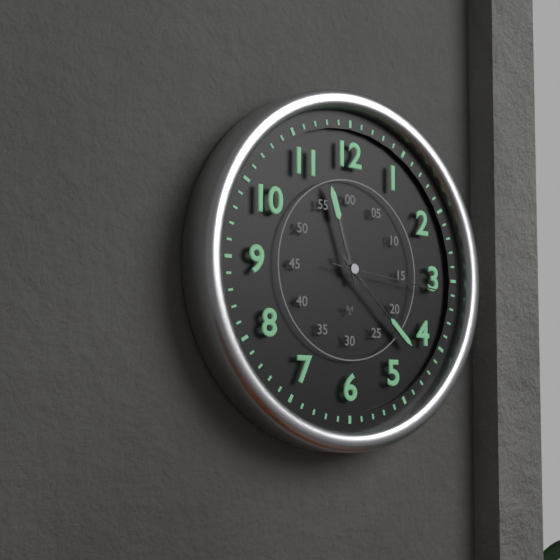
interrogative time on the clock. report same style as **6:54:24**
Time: **11:22:16**
